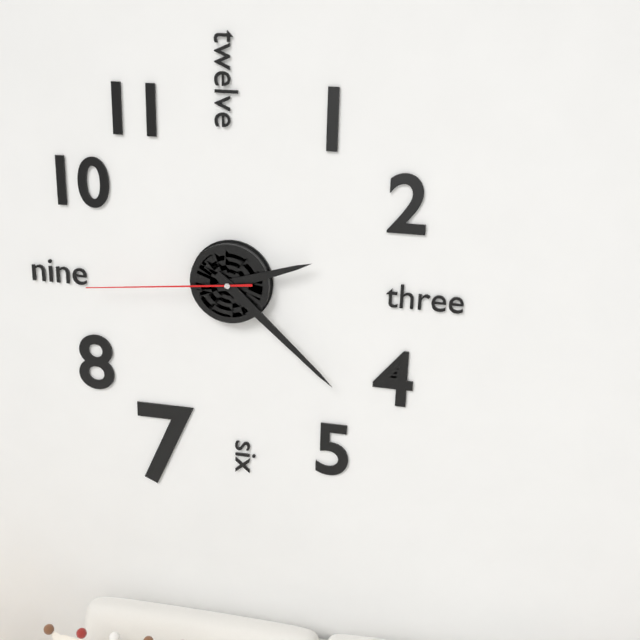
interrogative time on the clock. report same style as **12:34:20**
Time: **2:22:44**
